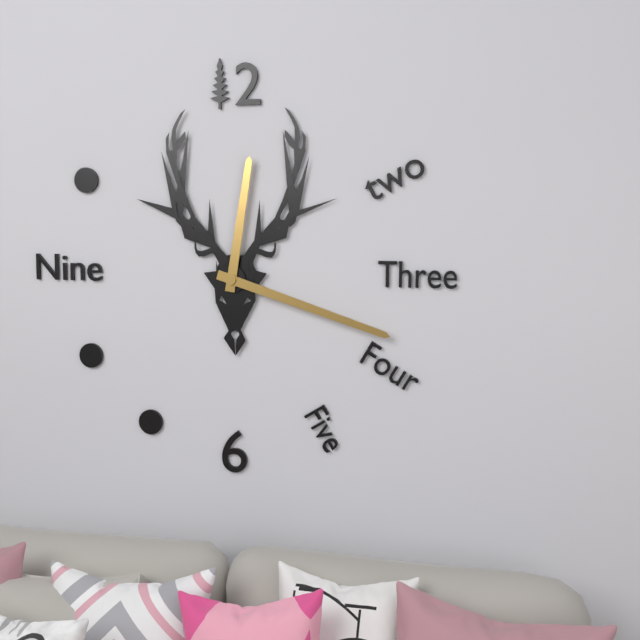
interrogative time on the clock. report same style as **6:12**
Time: **12:18**
